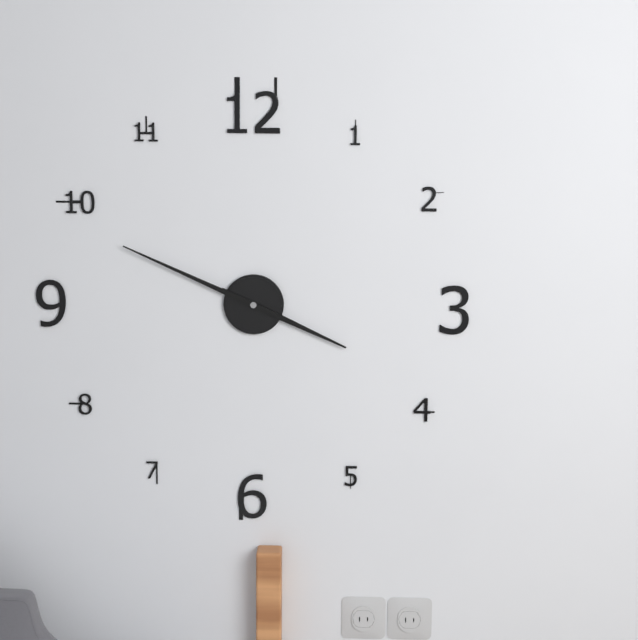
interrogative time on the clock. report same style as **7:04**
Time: **3:49**
